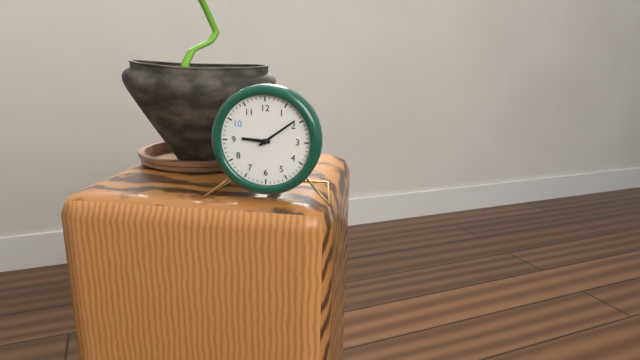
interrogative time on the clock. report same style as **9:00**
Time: **9:09**
